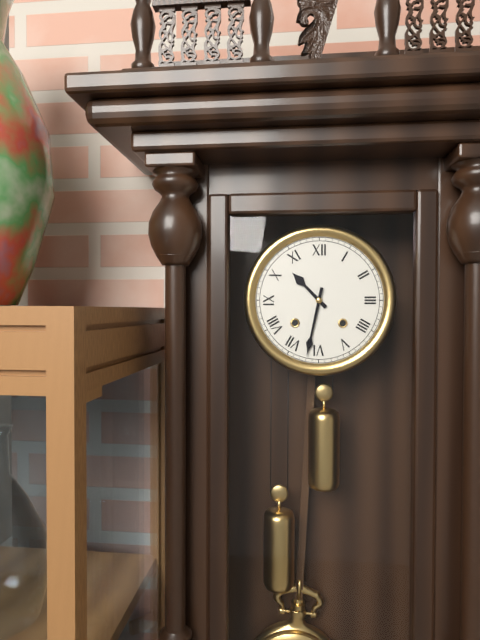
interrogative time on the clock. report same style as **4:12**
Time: **10:32**
